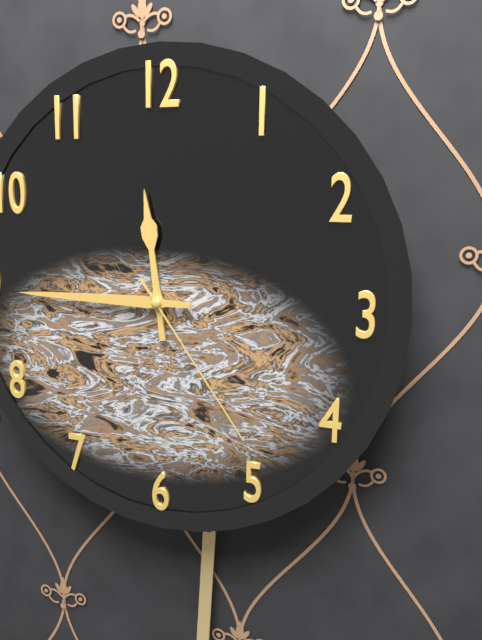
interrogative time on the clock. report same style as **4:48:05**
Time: **11:45:24**
